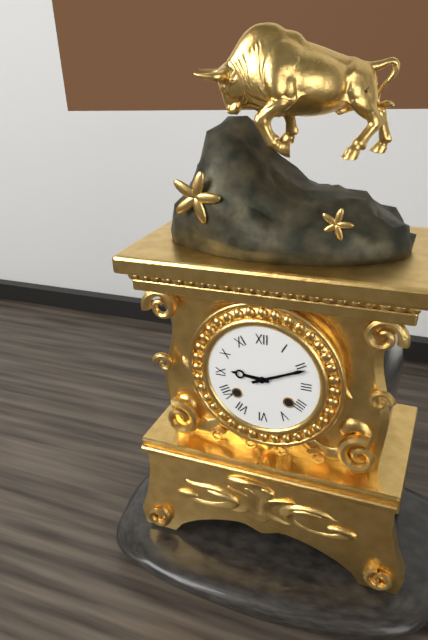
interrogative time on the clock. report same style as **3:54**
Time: **9:11**
